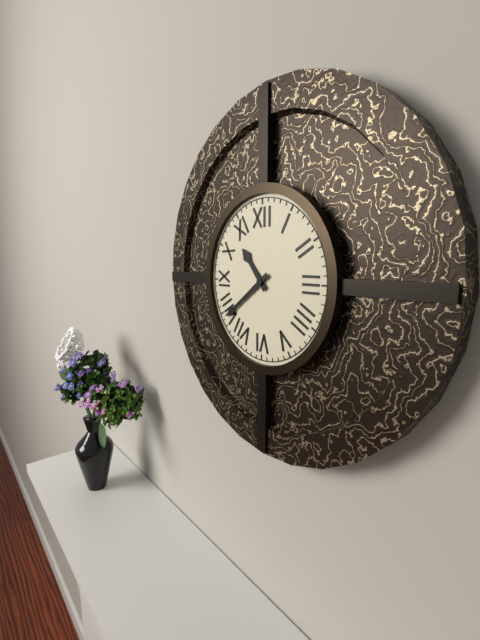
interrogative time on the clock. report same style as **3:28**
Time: **10:39**
